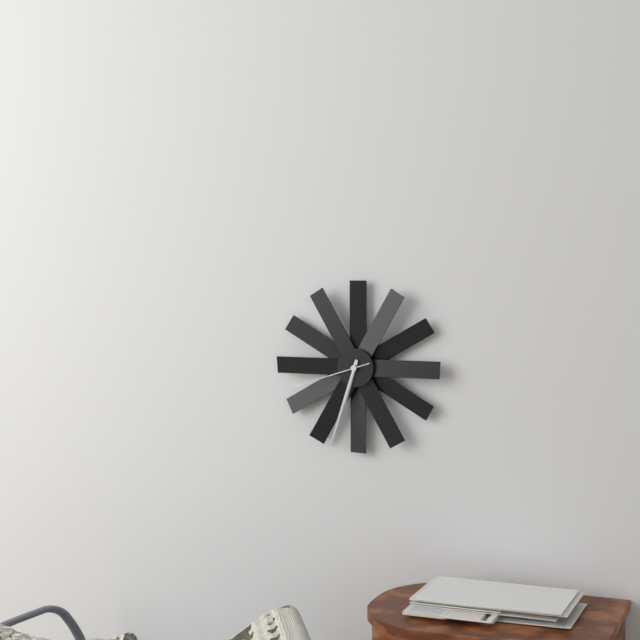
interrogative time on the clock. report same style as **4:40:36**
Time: **6:33:42**
